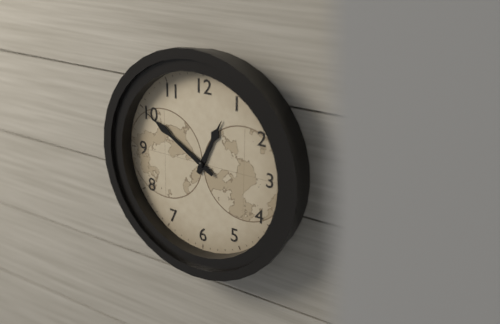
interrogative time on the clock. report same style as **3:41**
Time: **12:50**
